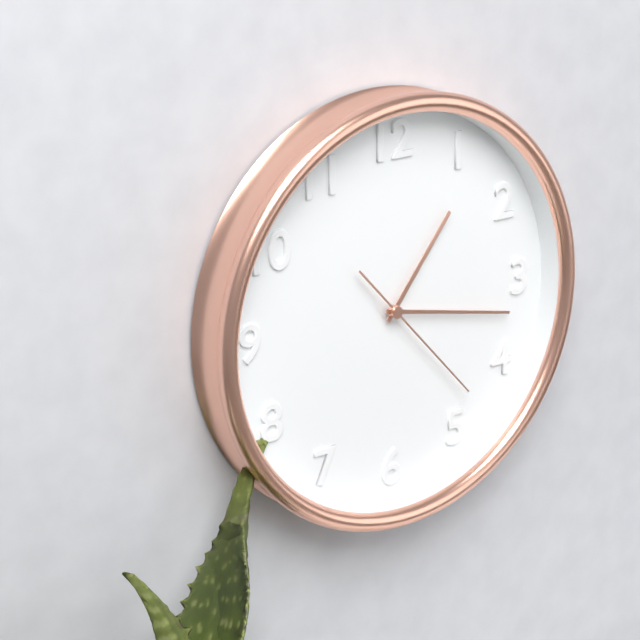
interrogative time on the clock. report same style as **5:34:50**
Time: **1:17:23**
